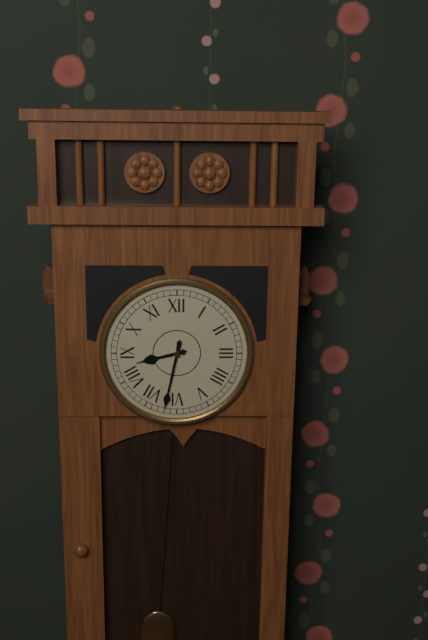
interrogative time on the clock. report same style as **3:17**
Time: **8:32**
